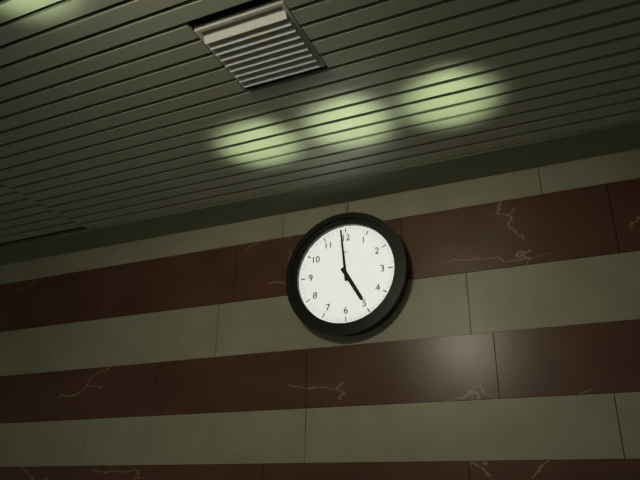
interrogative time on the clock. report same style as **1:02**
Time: **4:59**
